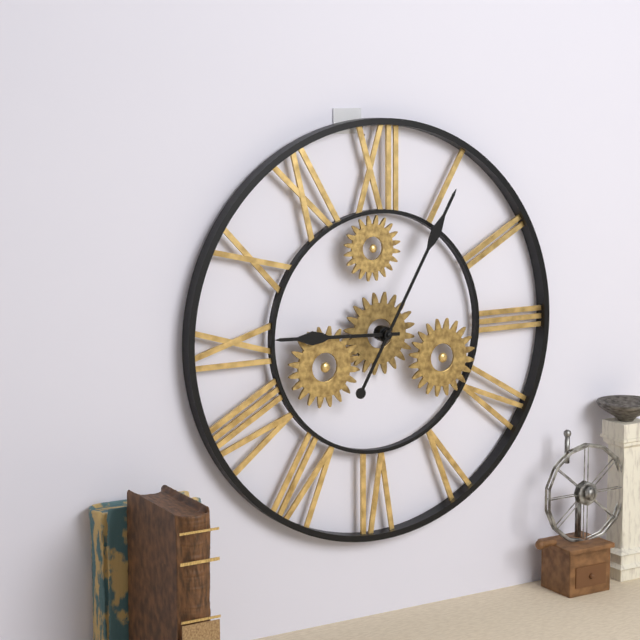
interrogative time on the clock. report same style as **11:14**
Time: **9:05**
